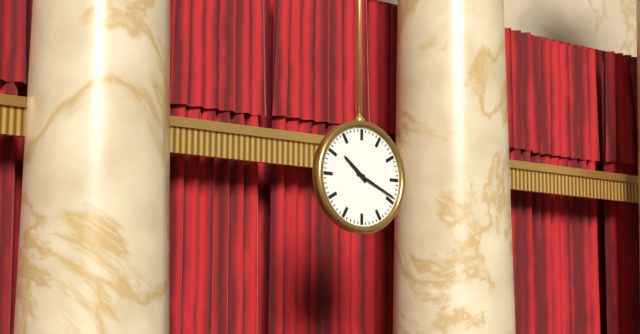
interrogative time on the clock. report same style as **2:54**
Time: **10:19**
